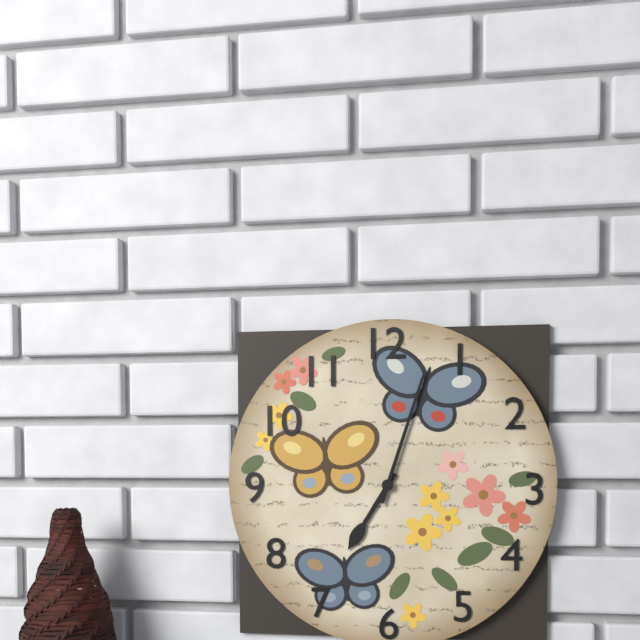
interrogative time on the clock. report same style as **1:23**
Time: **7:03**
